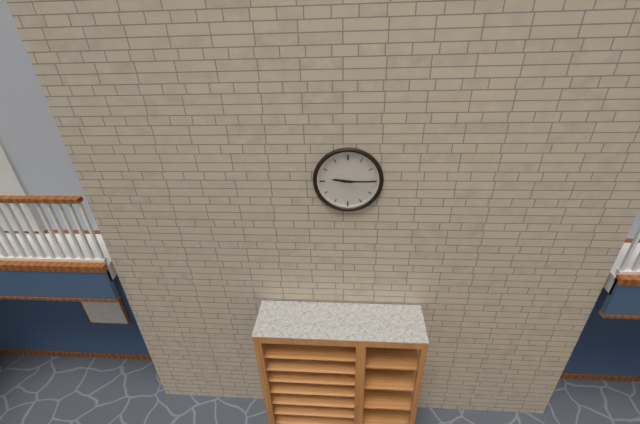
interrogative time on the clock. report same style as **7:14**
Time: **9:15**
